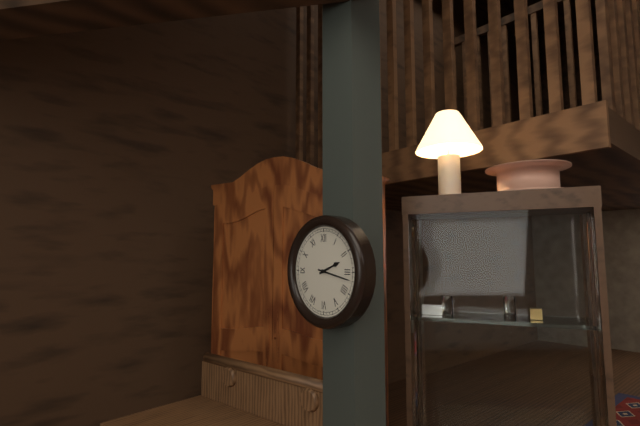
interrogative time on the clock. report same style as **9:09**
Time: **2:17**
